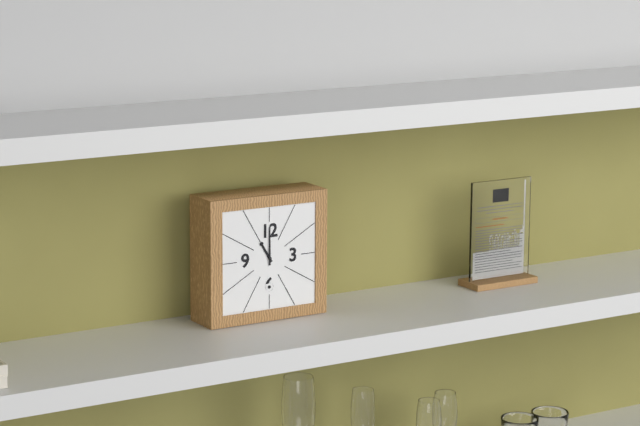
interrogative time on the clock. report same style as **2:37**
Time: **11:00**
